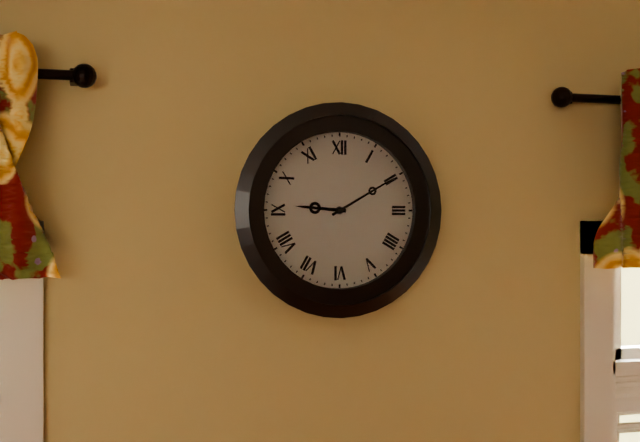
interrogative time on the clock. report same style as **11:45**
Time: **9:10**
